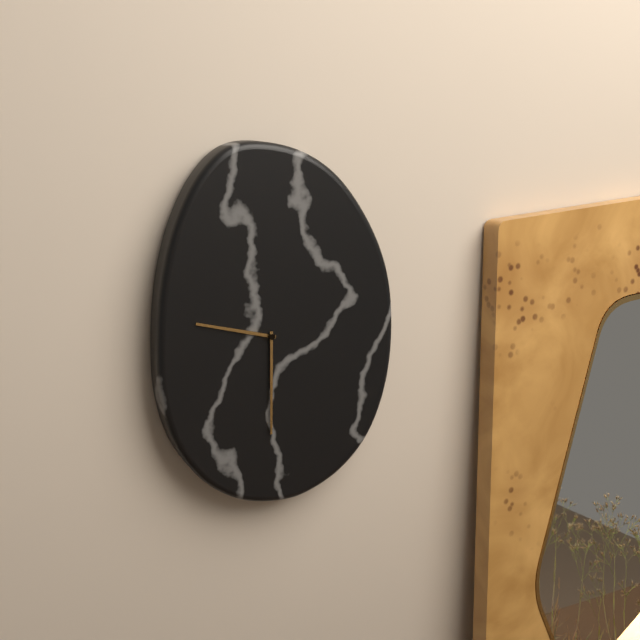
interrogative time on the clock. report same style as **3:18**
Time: **9:30**
